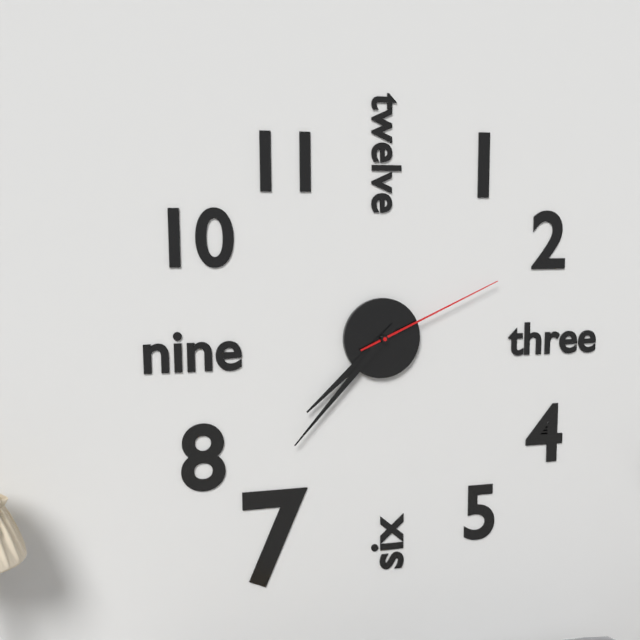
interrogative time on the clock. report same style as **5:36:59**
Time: **7:37:11**
